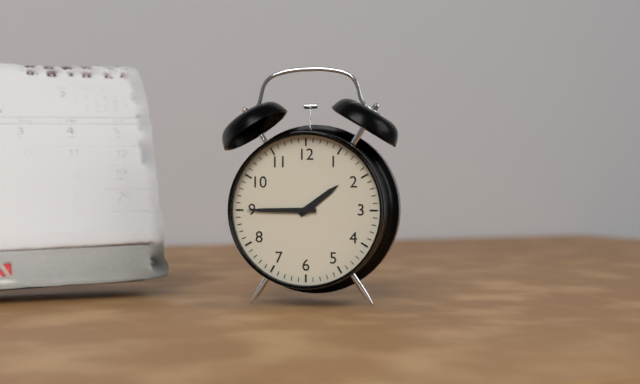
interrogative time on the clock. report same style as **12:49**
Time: **1:45**
